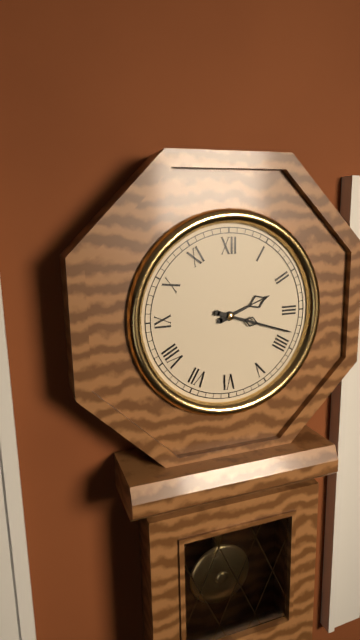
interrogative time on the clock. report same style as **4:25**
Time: **2:18**
